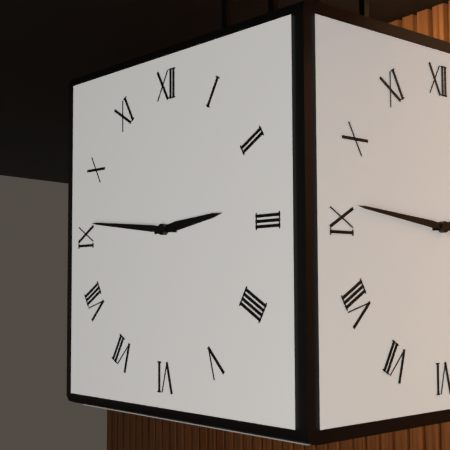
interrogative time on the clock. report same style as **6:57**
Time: **2:46**
